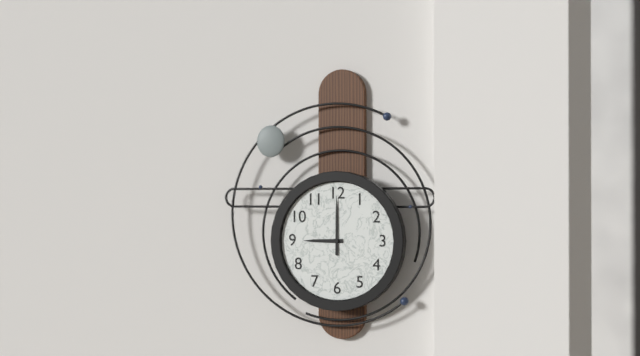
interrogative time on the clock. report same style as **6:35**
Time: **9:00**
